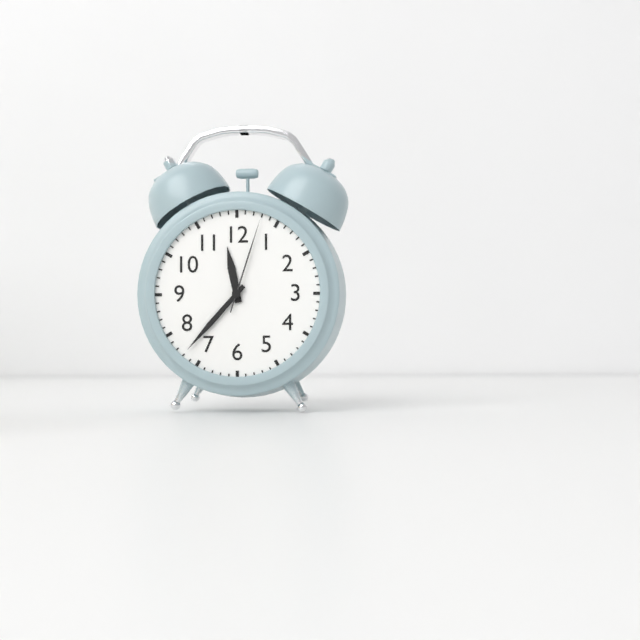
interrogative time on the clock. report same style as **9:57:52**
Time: **11:37:03**
